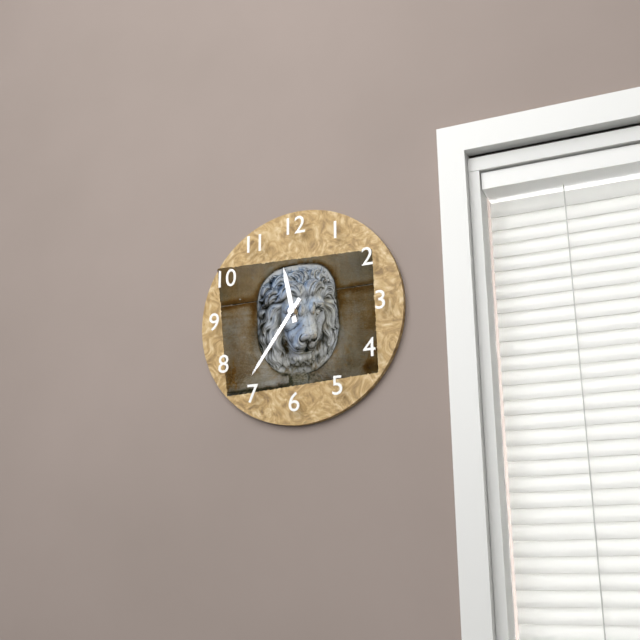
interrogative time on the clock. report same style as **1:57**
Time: **11:36**
